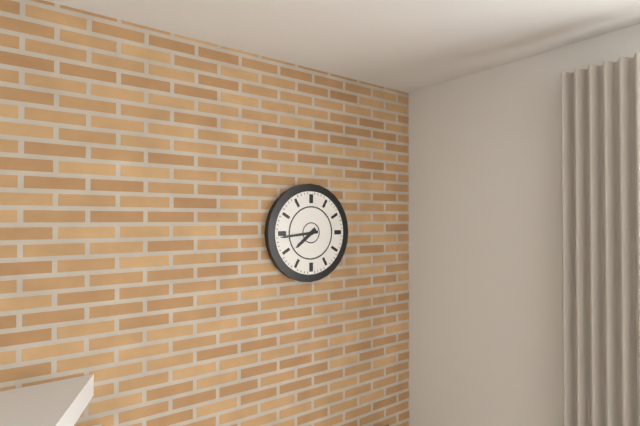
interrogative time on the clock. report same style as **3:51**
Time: **7:44**
